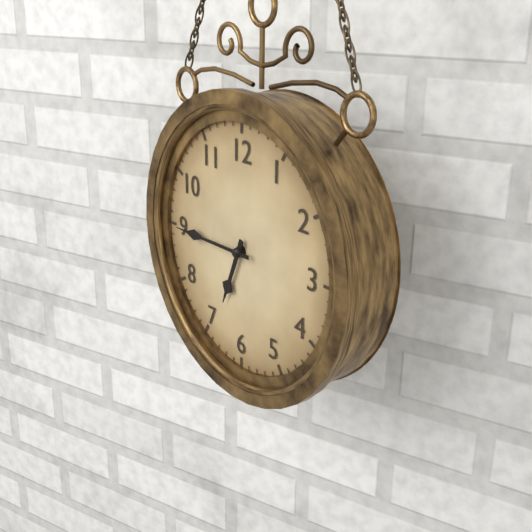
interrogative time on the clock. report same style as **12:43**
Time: **6:45**
